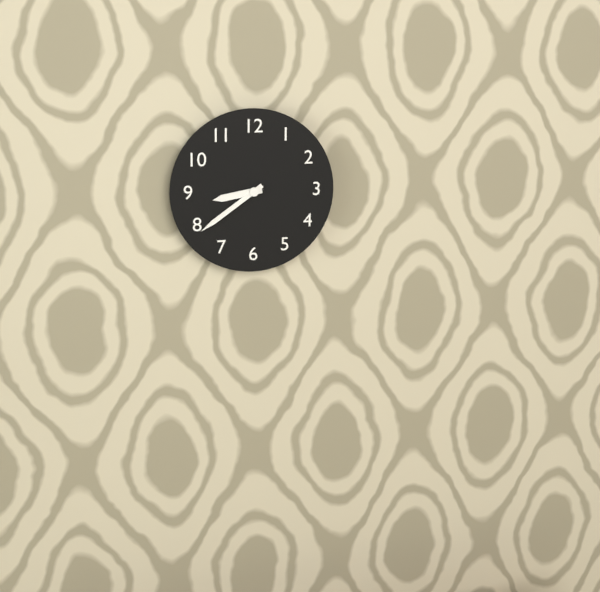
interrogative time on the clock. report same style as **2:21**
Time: **8:39**
